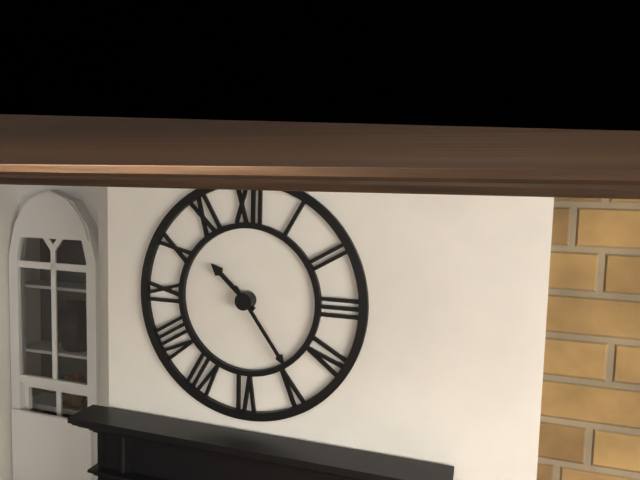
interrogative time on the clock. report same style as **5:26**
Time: **10:24**
